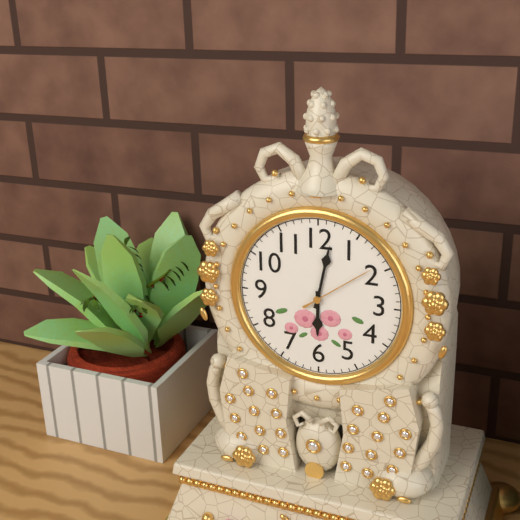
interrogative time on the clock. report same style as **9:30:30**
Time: **6:02:09**
